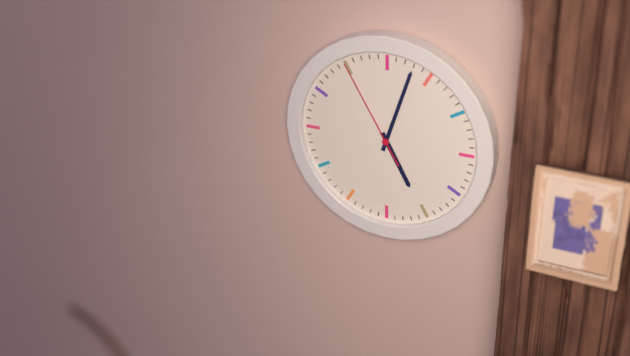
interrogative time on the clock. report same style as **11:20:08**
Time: **5:03:55**
